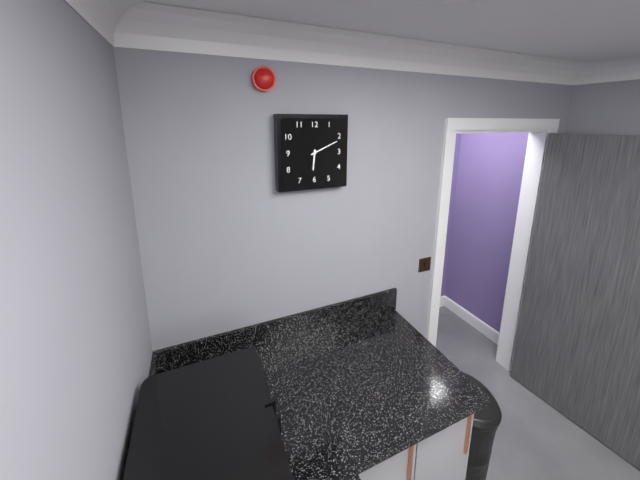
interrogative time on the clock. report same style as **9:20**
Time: **6:11**
